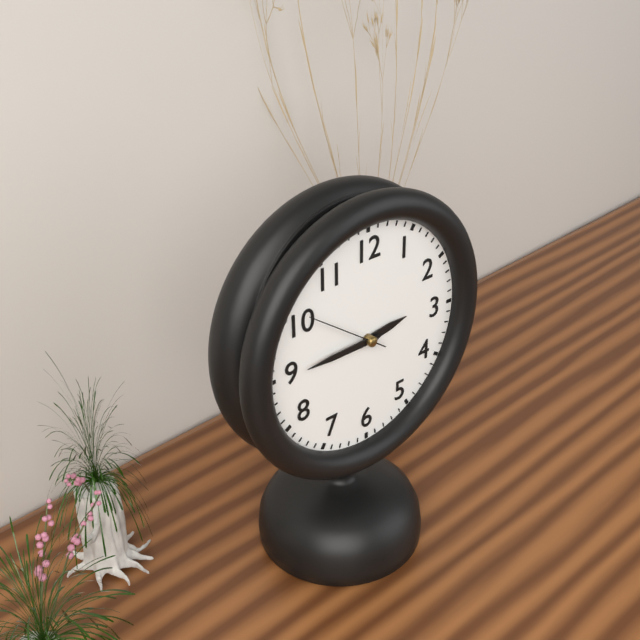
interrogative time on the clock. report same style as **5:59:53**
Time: **2:45:51**
